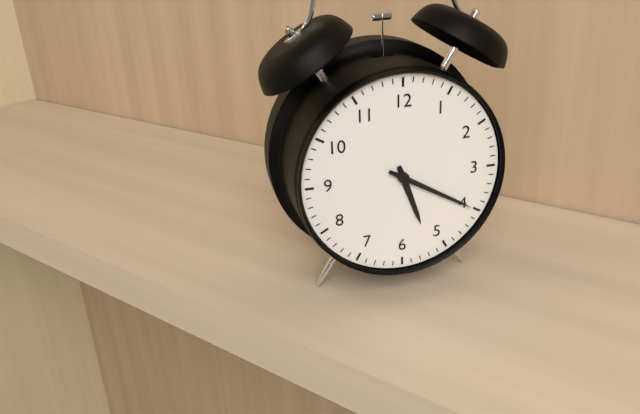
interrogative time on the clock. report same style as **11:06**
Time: **5:20**
